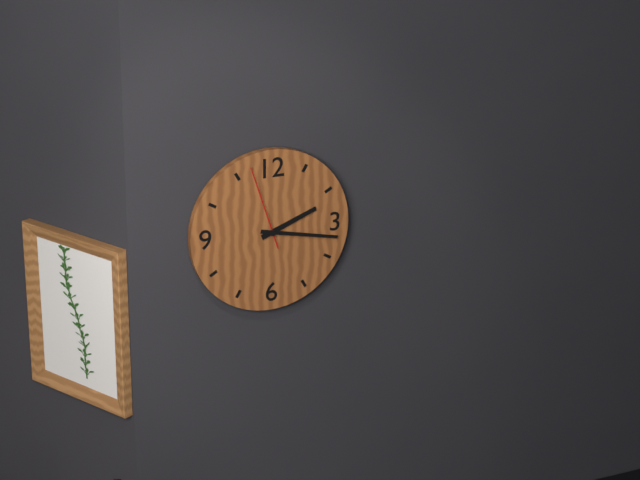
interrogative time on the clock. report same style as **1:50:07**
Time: **2:17:57**
